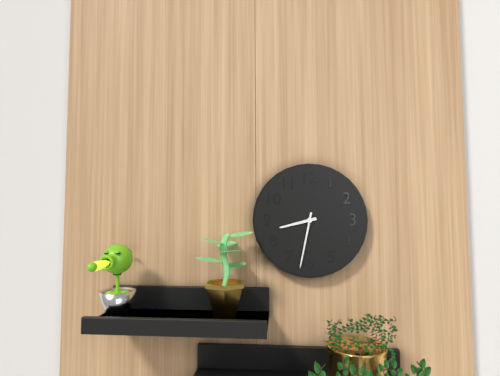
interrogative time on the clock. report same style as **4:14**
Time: **8:32**
